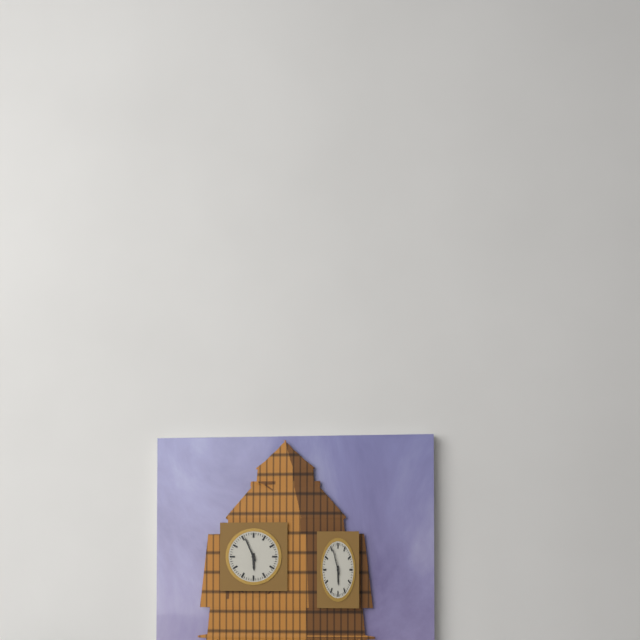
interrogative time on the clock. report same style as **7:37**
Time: **5:56**
